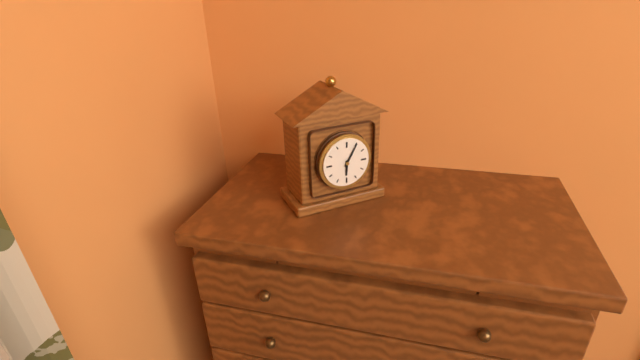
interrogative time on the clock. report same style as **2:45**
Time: **6:05**
